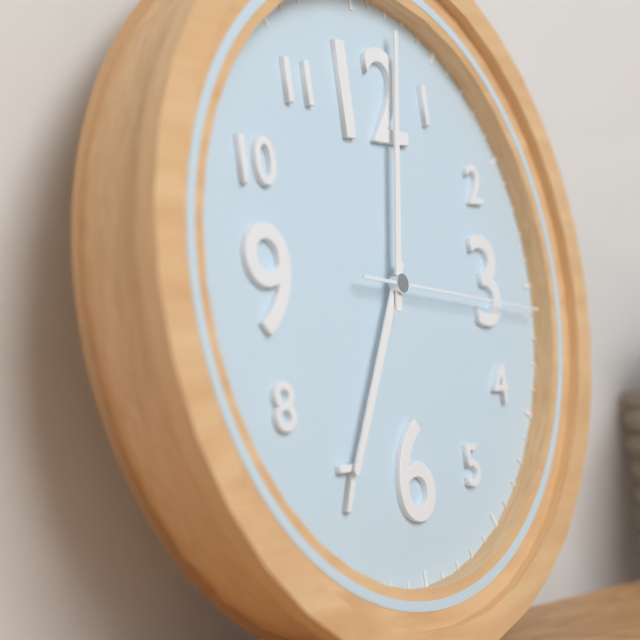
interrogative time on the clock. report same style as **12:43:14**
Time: **7:02:16**
